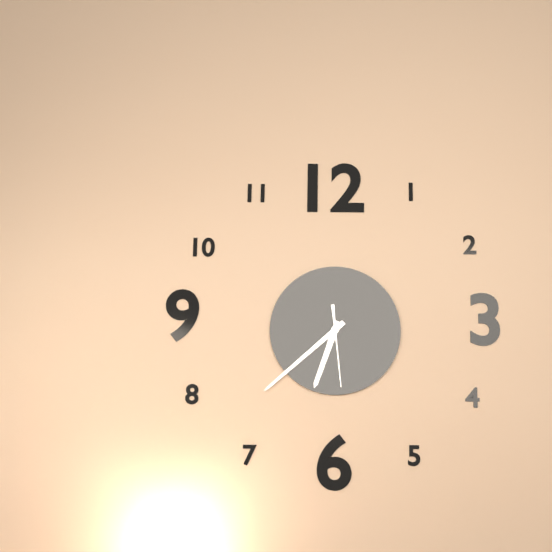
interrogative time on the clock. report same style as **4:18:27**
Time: **6:38:29**
